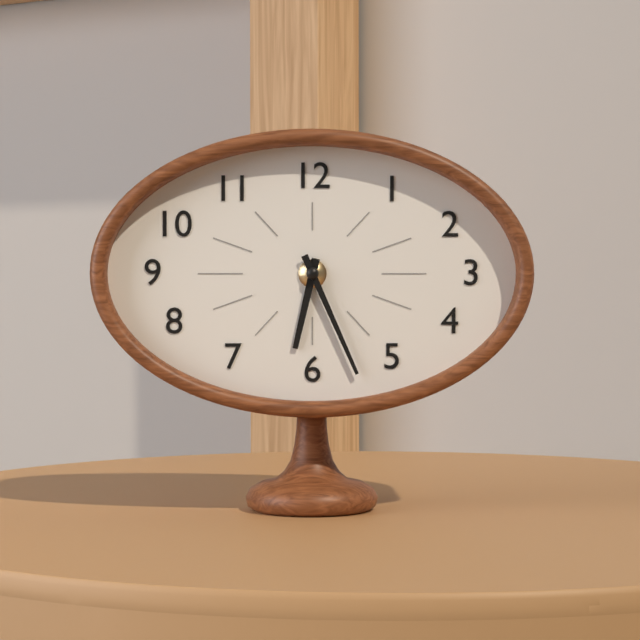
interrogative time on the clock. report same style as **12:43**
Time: **6:26**
